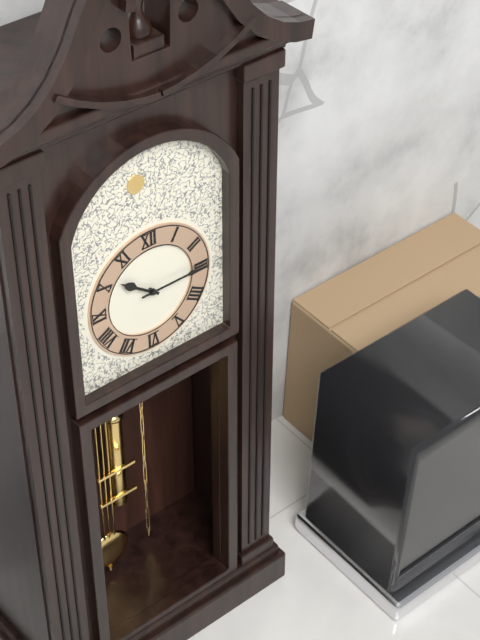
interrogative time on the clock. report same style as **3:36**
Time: **10:15**
